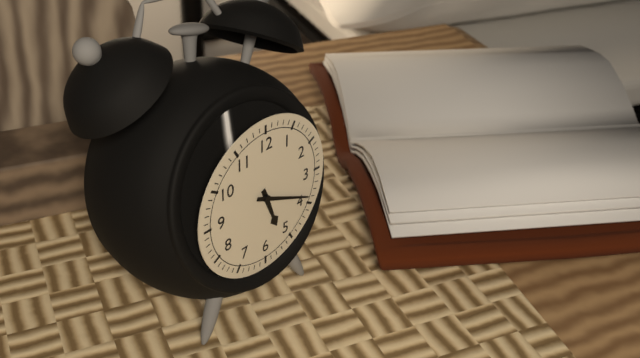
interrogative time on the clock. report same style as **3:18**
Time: **5:19**
